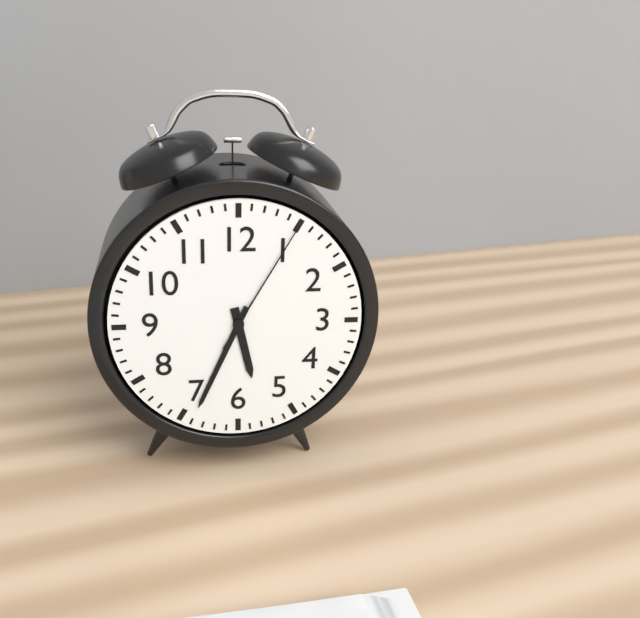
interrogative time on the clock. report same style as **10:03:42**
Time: **5:34:05**
